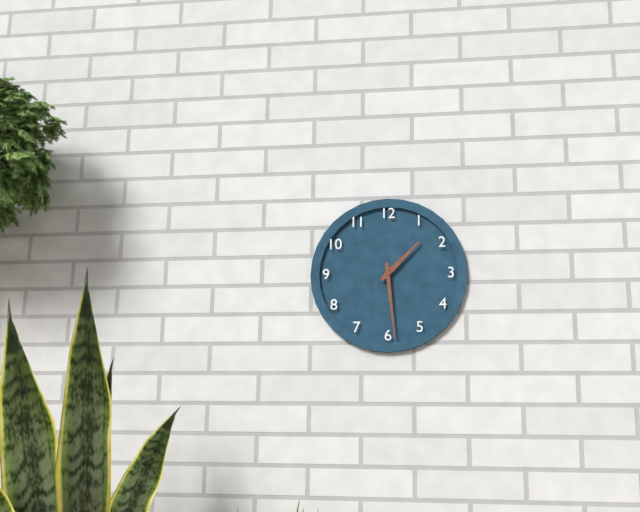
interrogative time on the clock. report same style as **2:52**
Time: **1:29**
